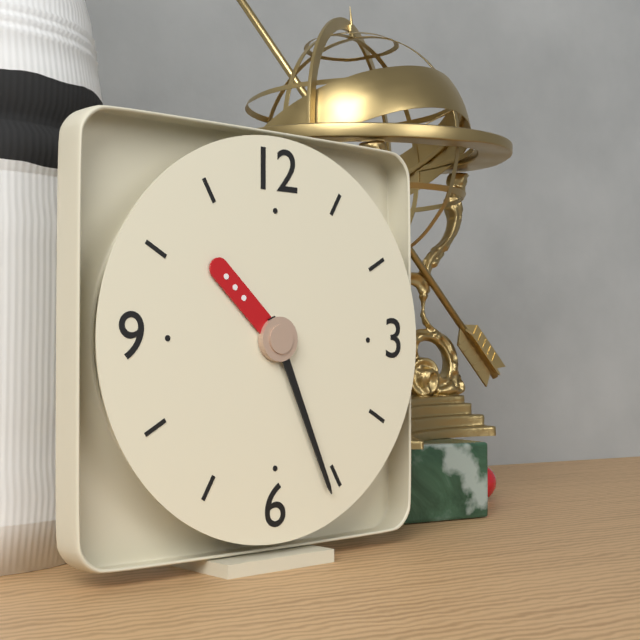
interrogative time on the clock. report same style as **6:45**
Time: **10:26**
